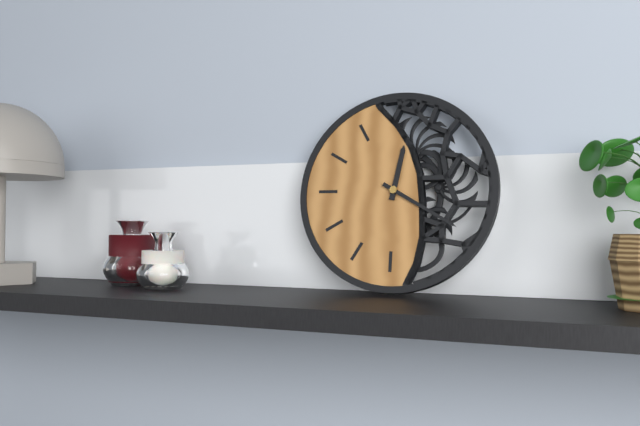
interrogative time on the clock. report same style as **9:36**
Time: **12:20**
